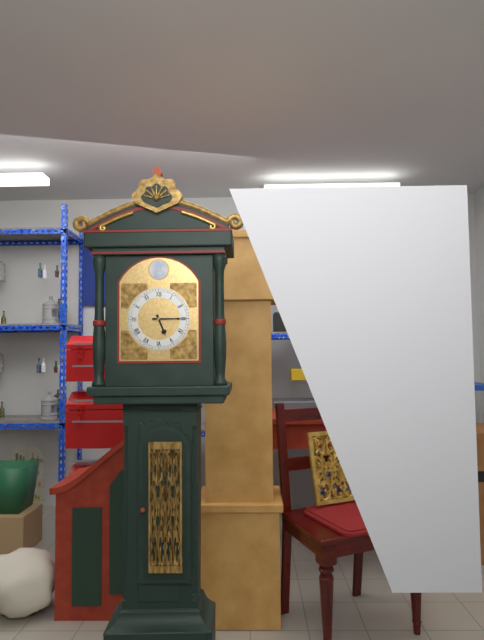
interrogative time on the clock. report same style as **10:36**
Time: **5:15**
